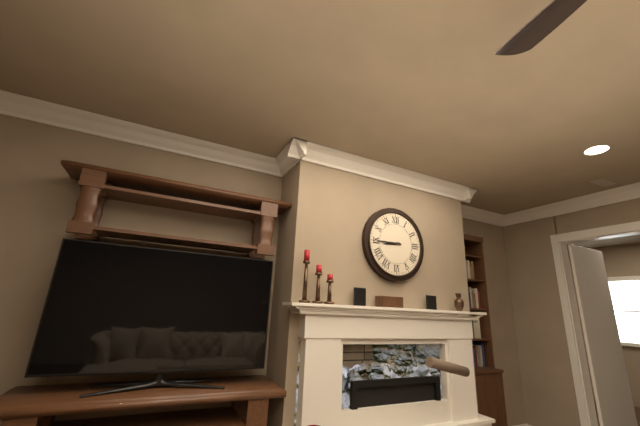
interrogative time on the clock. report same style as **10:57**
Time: **8:45**
